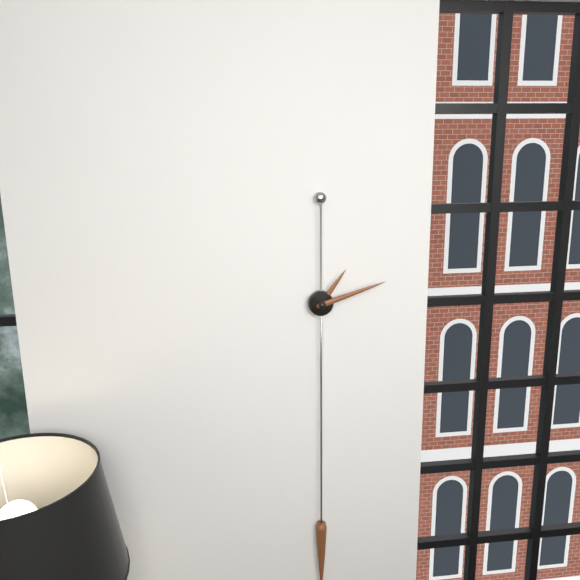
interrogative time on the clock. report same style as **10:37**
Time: **1:12**
